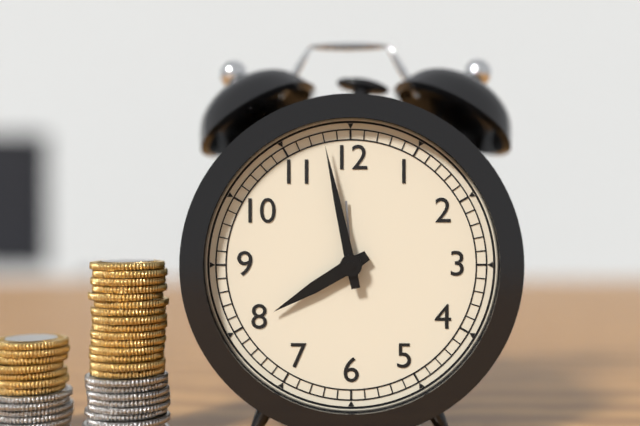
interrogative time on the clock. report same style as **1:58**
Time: **7:58**
